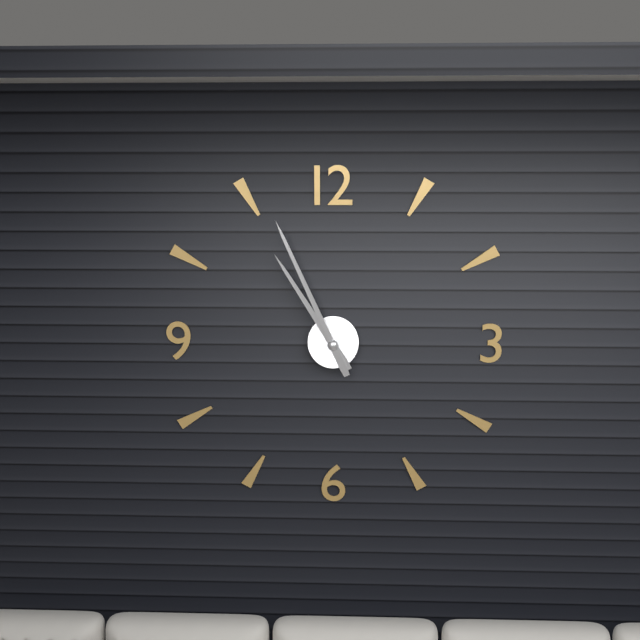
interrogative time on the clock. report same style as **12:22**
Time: **10:56**
